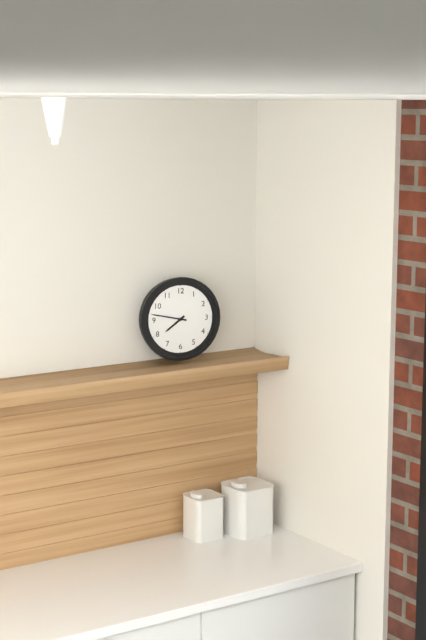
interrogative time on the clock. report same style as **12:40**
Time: **7:47**
